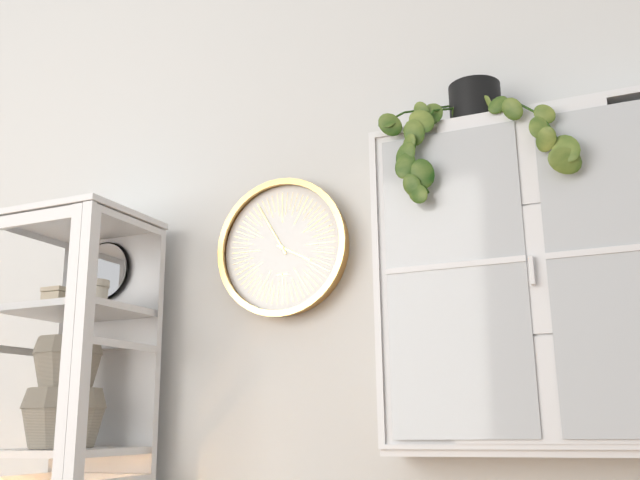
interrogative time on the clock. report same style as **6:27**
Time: **3:55**
